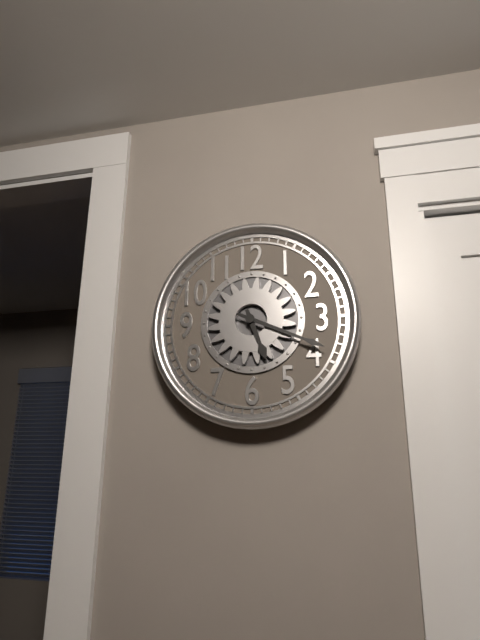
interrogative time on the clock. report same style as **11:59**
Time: **5:19**
